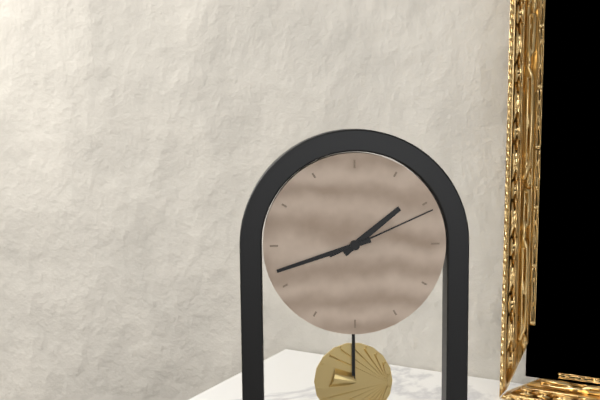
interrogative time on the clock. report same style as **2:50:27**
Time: **1:42:11**
